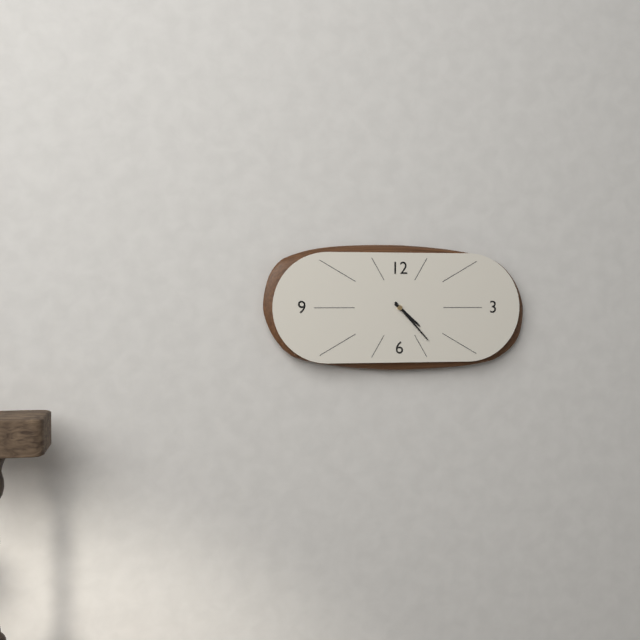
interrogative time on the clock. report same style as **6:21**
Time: **4:23**
